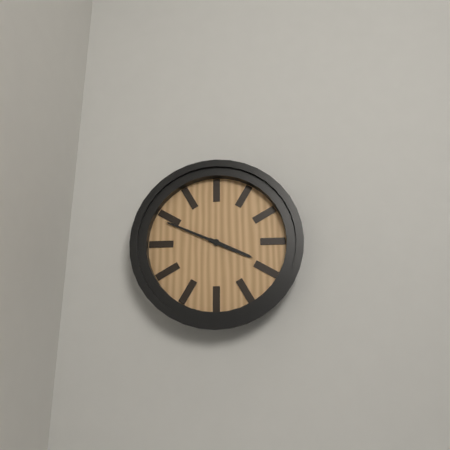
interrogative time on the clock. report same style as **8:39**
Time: **3:49**
